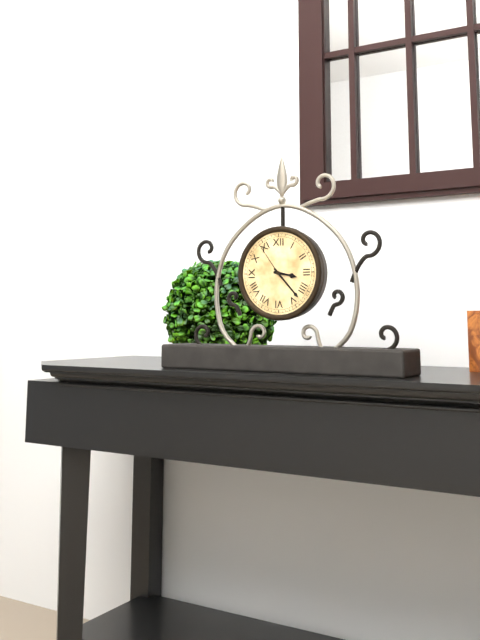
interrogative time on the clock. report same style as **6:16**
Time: **3:23**
